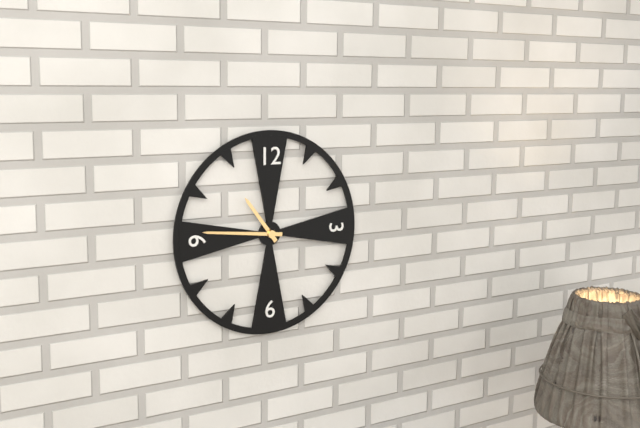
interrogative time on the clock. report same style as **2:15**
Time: **10:46**
